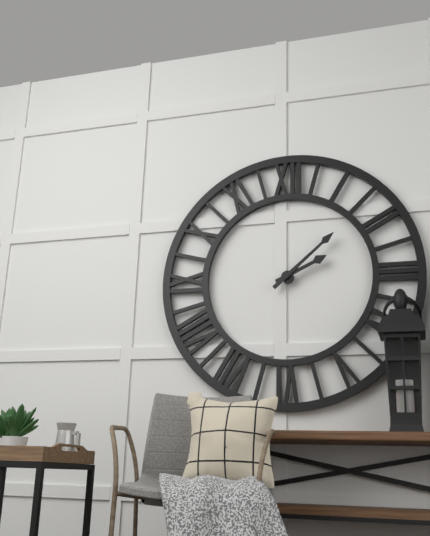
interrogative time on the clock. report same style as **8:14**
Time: **2:08**
